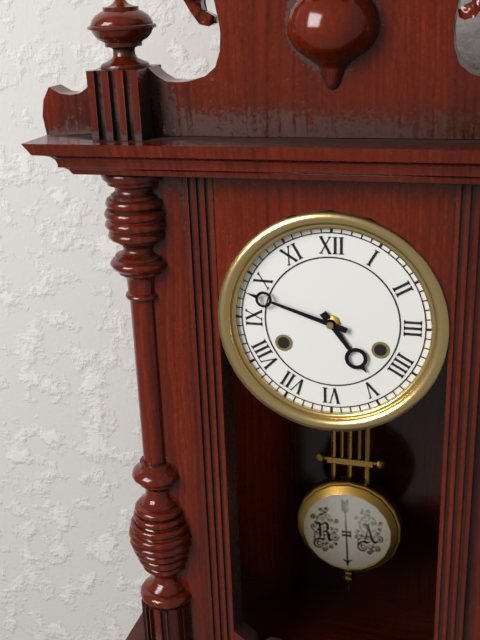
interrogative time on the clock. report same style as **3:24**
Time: **4:48**
